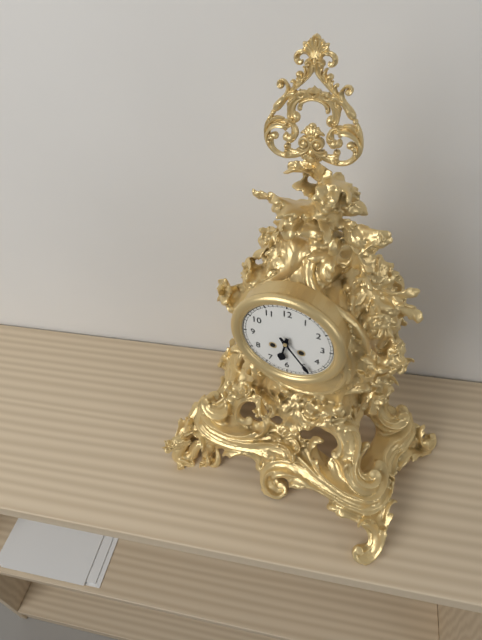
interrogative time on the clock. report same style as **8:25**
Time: **6:24**
